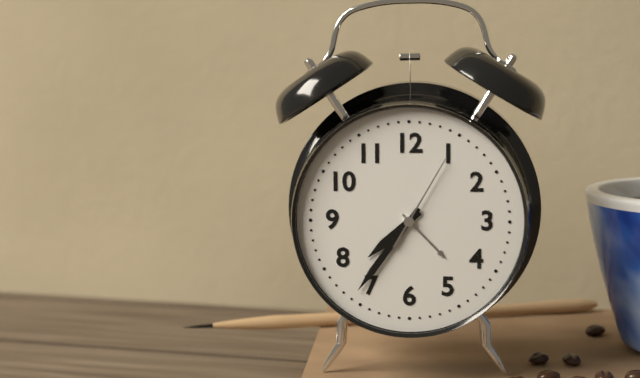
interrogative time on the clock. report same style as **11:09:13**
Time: **7:36:05**
